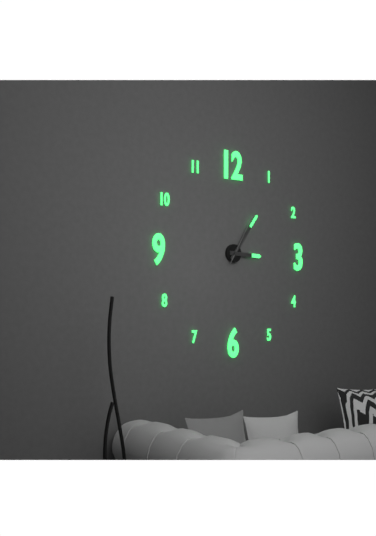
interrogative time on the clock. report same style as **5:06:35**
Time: **3:06:05**
